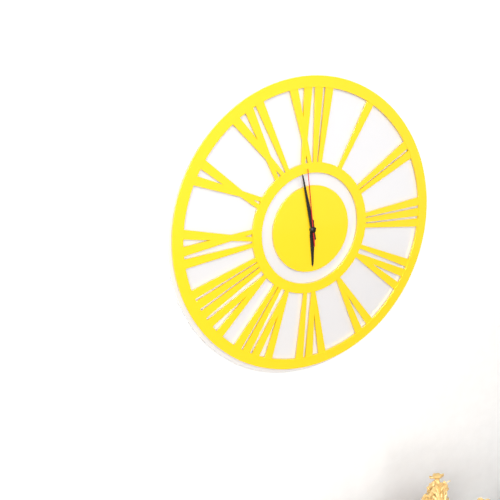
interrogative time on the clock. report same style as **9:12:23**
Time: **5:58:59**
